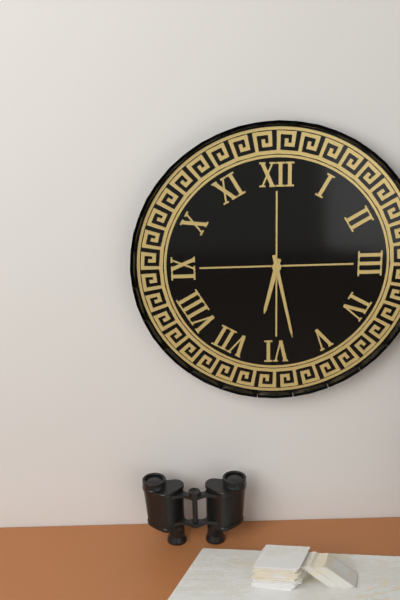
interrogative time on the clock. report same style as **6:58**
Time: **6:28**
